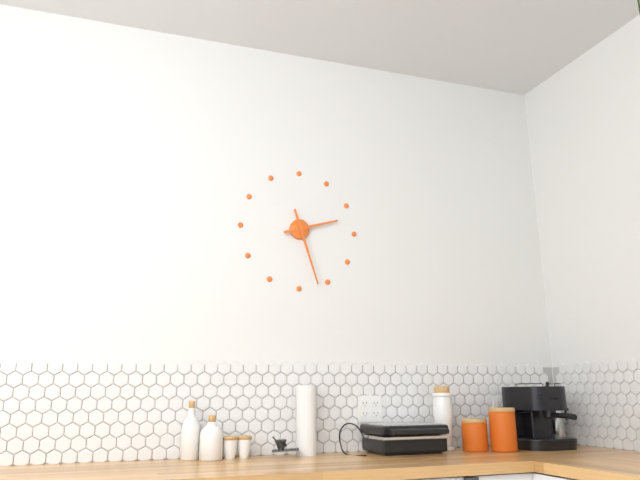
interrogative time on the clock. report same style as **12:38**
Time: **2:27**
